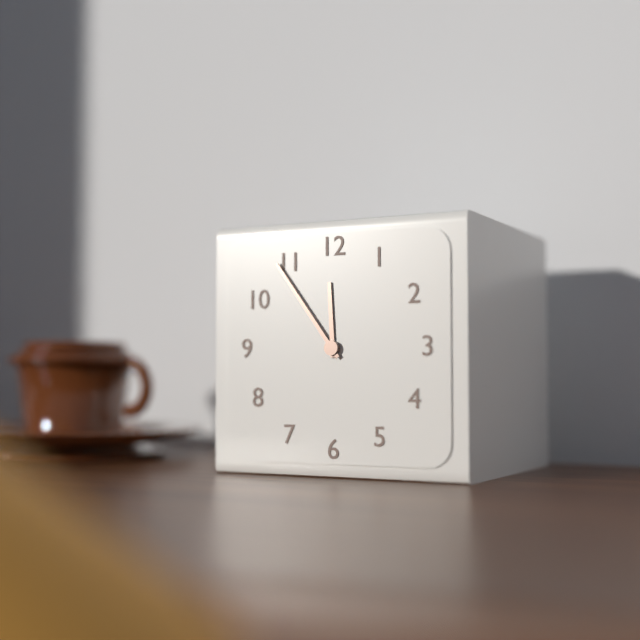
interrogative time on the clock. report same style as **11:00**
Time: **11:54**
